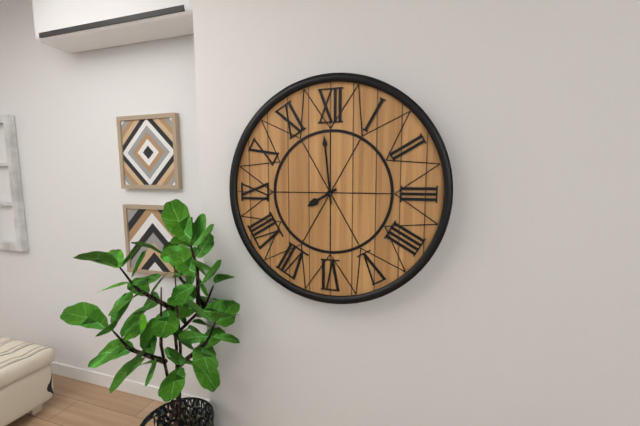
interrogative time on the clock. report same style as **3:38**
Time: **7:59**
